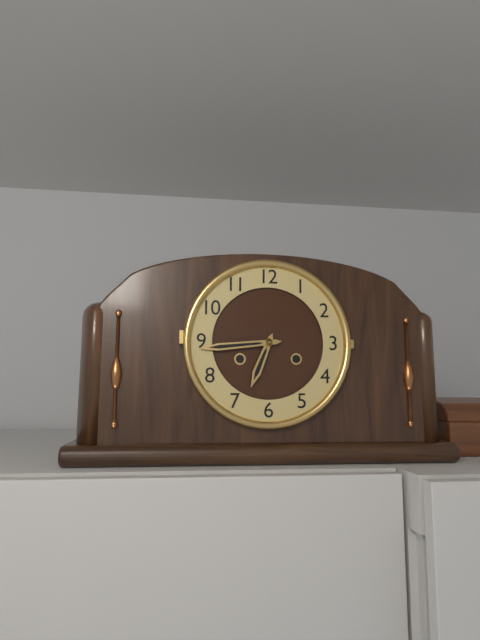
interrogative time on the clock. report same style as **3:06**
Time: **6:44**
